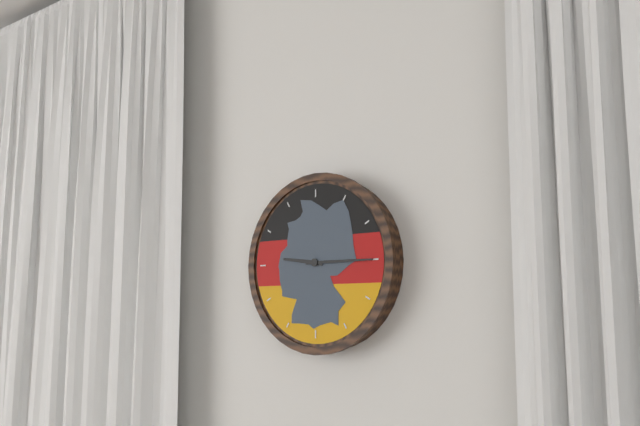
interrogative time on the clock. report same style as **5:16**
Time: **9:15**
